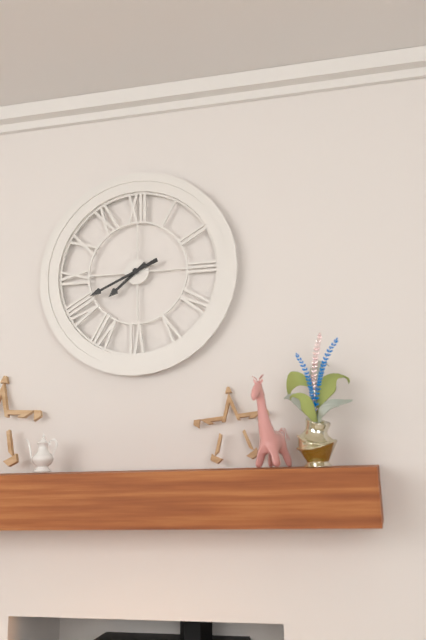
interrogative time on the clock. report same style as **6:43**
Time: **7:41**
